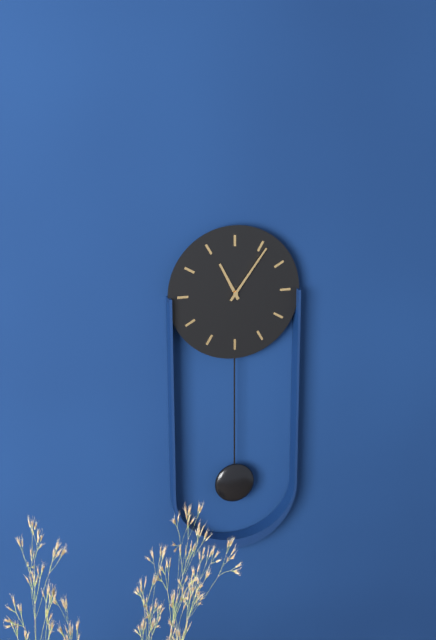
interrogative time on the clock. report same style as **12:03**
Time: **11:06**
